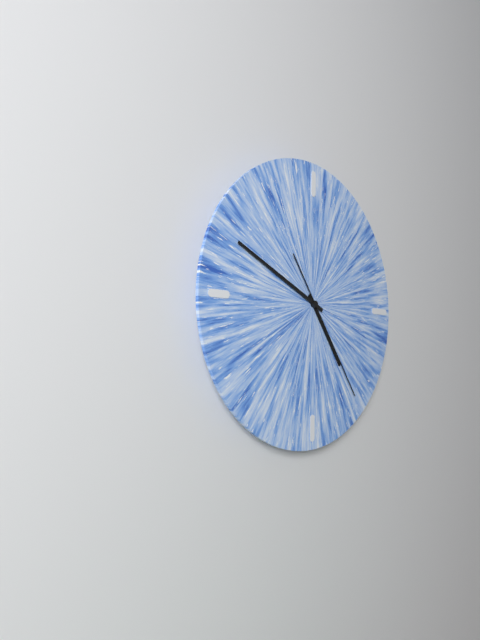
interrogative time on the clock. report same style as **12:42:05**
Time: **4:49:24**
